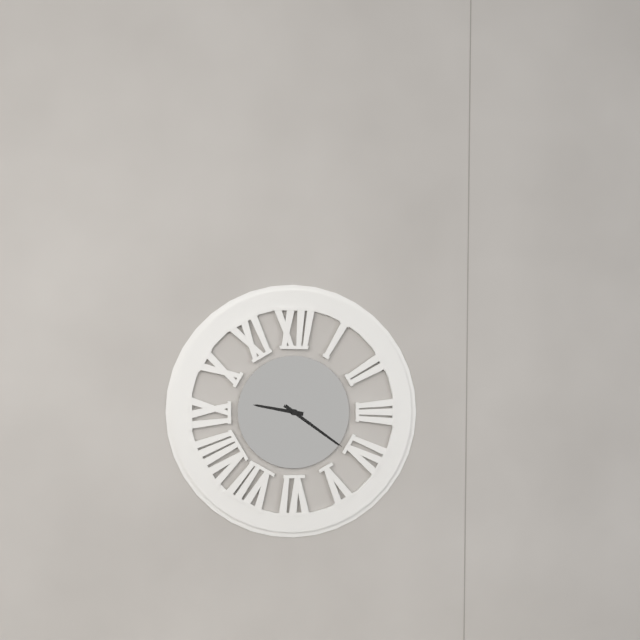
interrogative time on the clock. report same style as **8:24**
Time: **9:21**
